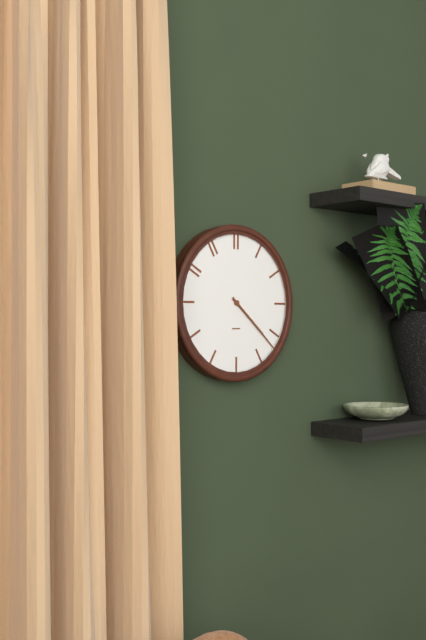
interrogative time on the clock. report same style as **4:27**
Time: **4:22**
